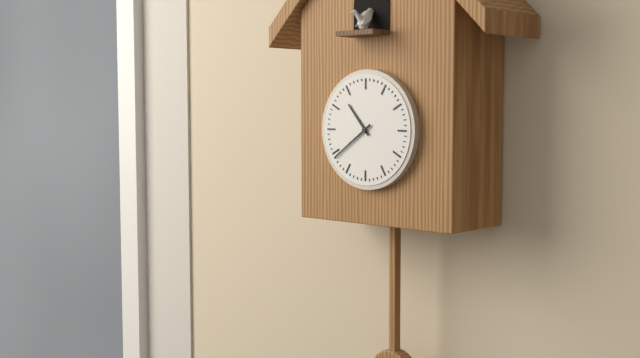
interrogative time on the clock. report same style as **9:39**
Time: **10:39**
